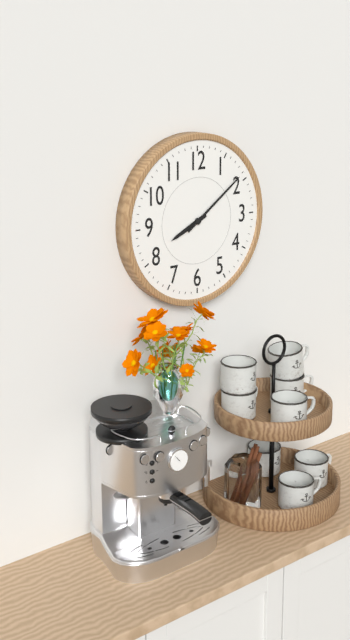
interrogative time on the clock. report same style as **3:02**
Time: **8:09**
